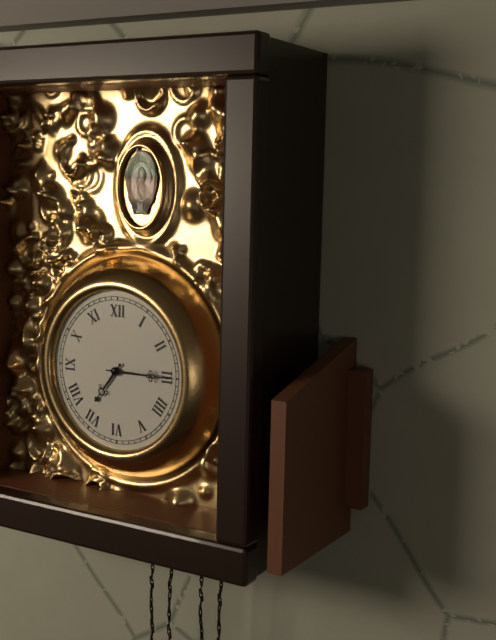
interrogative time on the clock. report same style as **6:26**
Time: **7:15**
